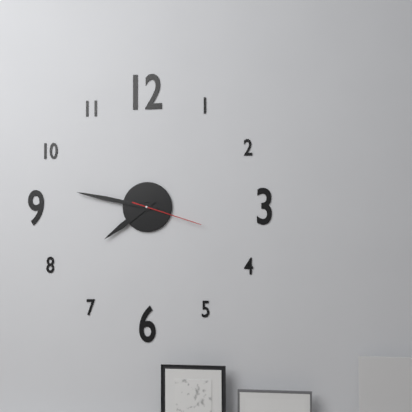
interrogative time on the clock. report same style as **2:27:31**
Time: **7:47:18**
